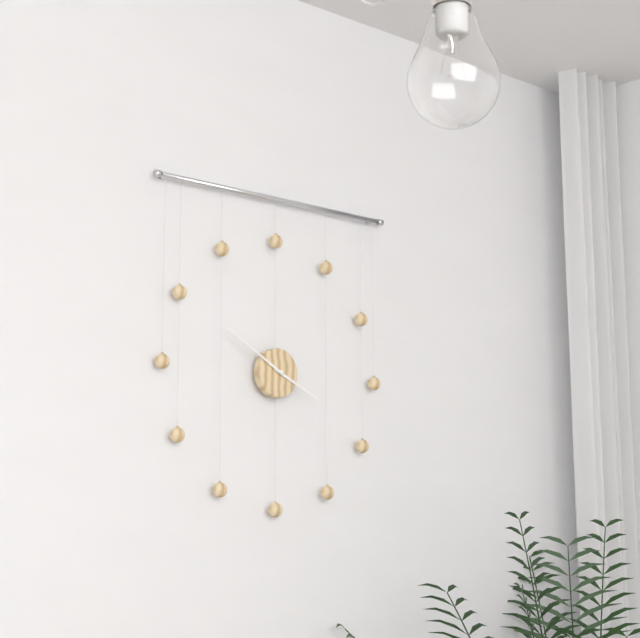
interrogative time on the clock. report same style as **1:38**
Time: **3:50**
